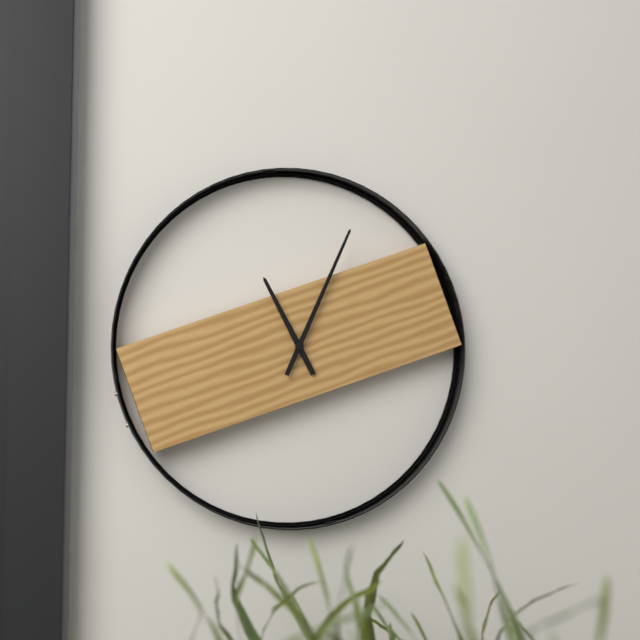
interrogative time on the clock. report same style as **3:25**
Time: **11:04**
